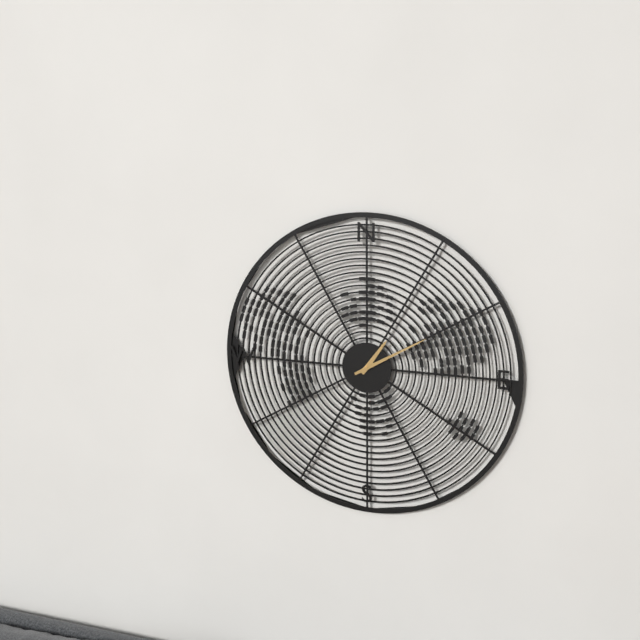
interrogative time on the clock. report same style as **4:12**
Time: **1:10**
